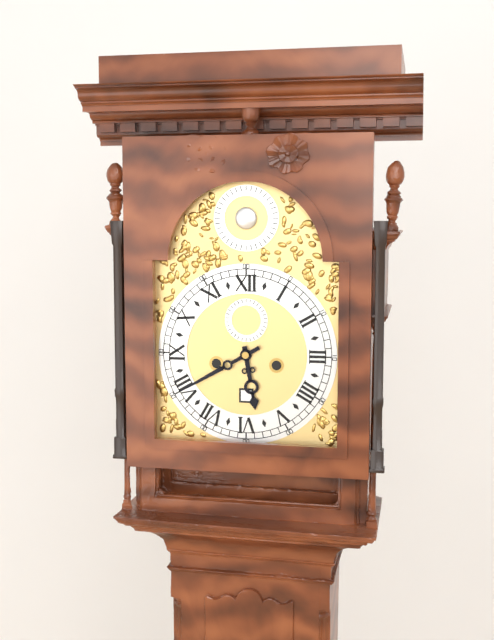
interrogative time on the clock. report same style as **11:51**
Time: **5:40**
